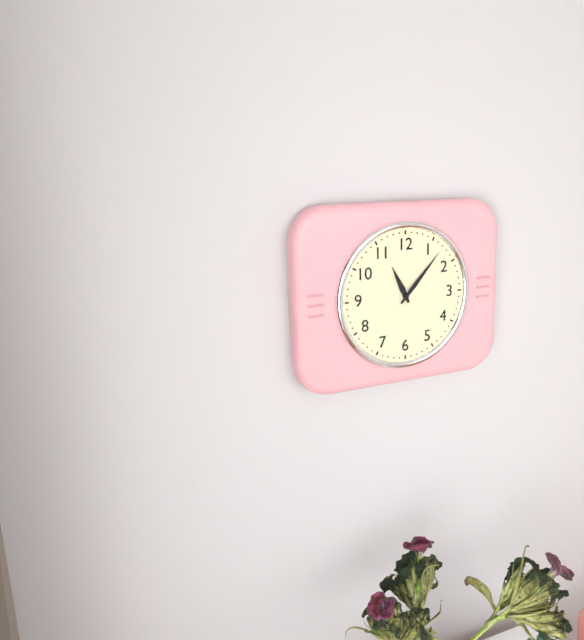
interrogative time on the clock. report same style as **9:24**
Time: **11:07**
